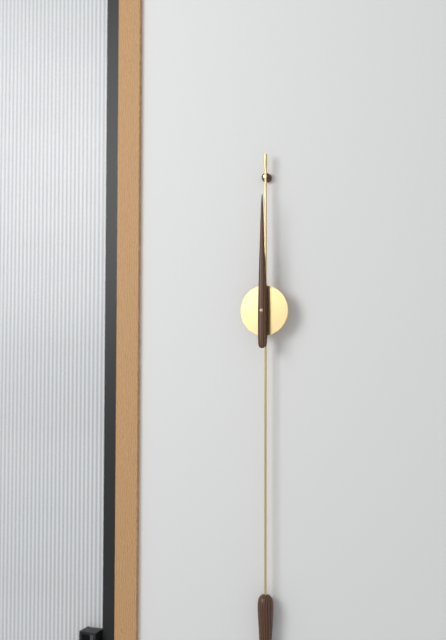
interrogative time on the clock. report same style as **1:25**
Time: **12:00**
